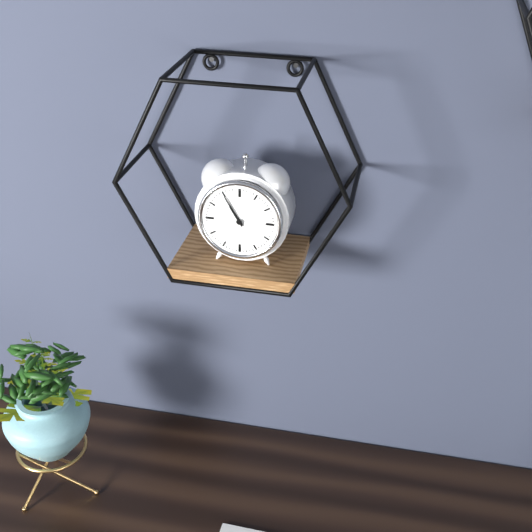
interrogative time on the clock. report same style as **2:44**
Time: **10:55**
